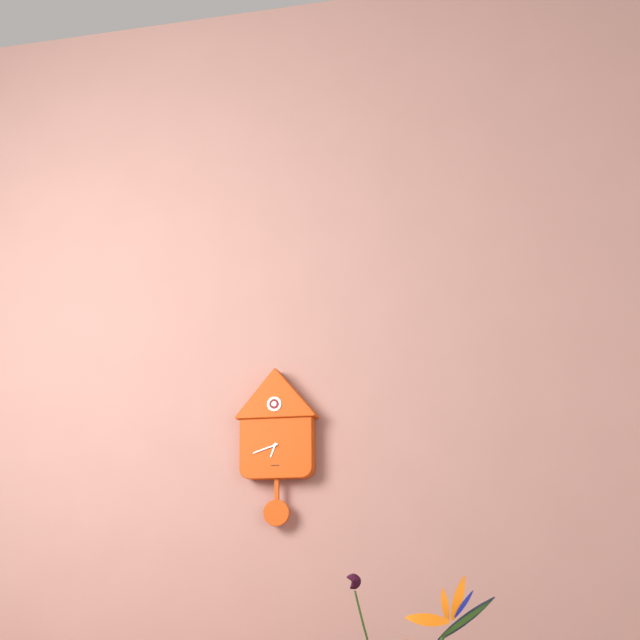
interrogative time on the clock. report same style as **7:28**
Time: **6:42**
